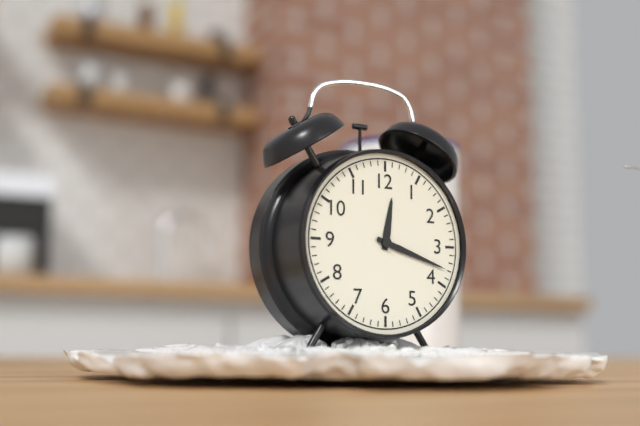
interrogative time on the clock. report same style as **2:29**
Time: **12:18**
